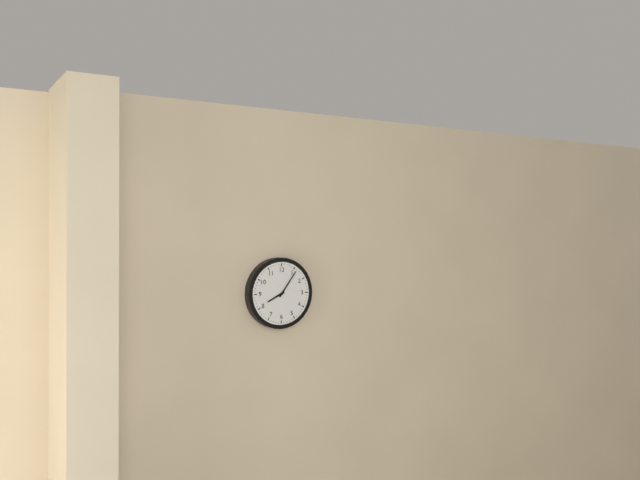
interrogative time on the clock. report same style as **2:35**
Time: **8:06**
